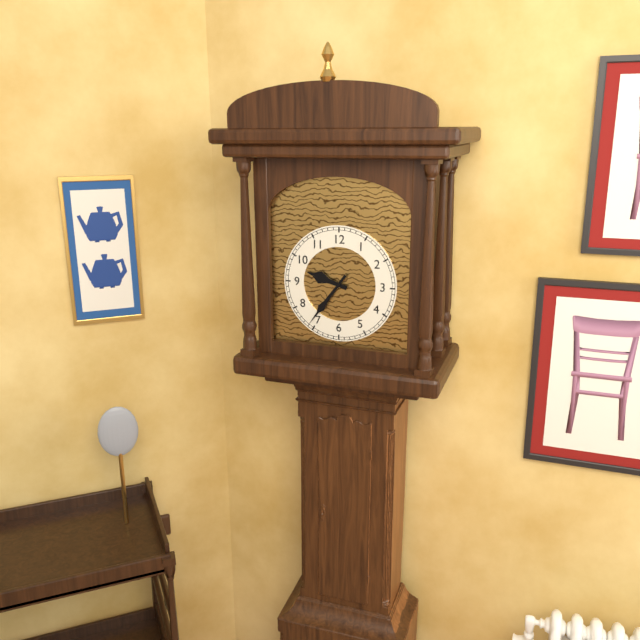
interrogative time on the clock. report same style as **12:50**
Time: **9:36**
